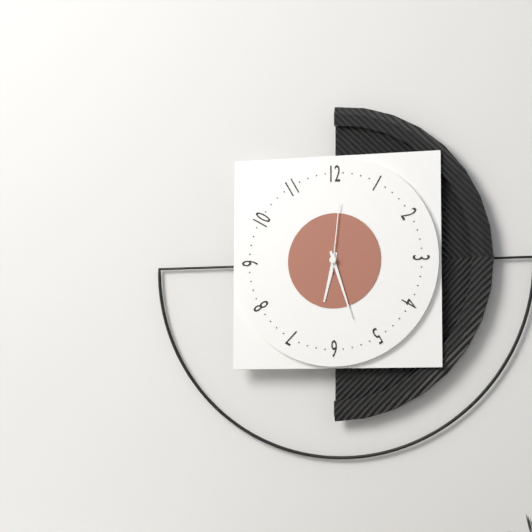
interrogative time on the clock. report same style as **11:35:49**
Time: **6:27:01**
